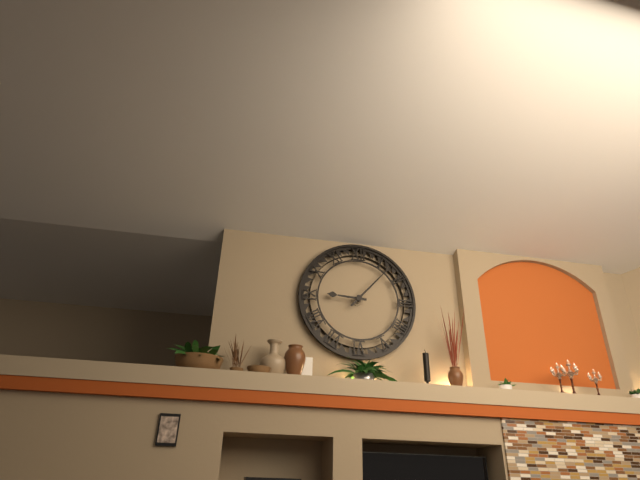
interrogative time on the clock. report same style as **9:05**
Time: **9:07**
